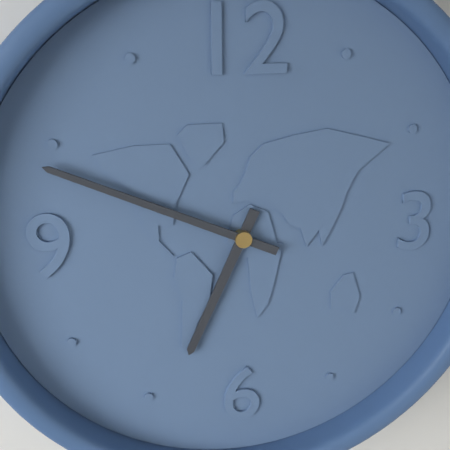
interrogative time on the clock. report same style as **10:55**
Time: **6:49**
